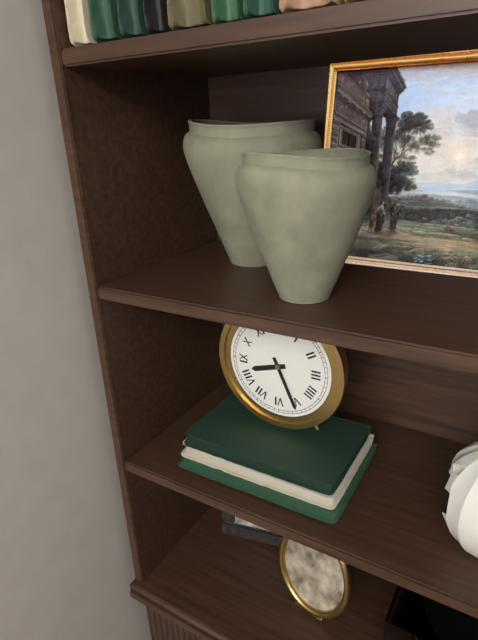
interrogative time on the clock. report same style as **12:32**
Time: **8:26**
